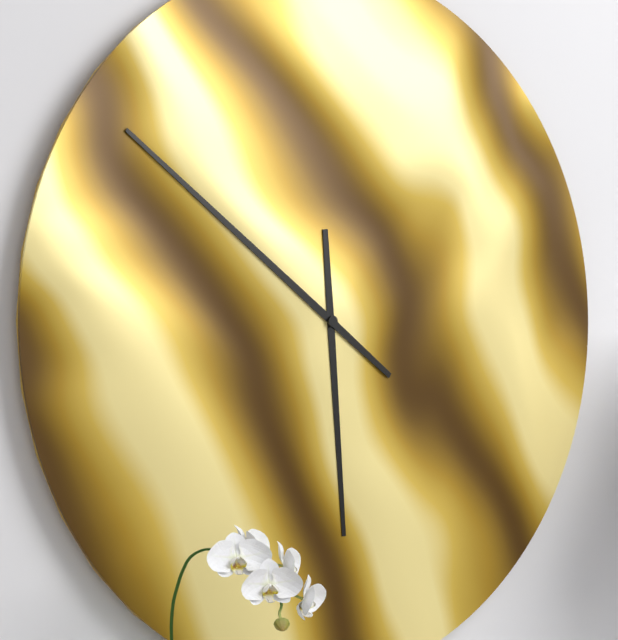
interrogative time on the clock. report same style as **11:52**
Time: **5:51**
